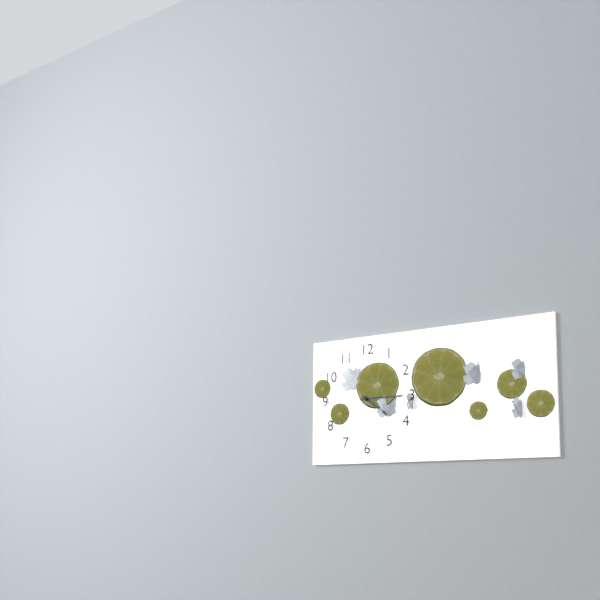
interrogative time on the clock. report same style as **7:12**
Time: **4:15**
